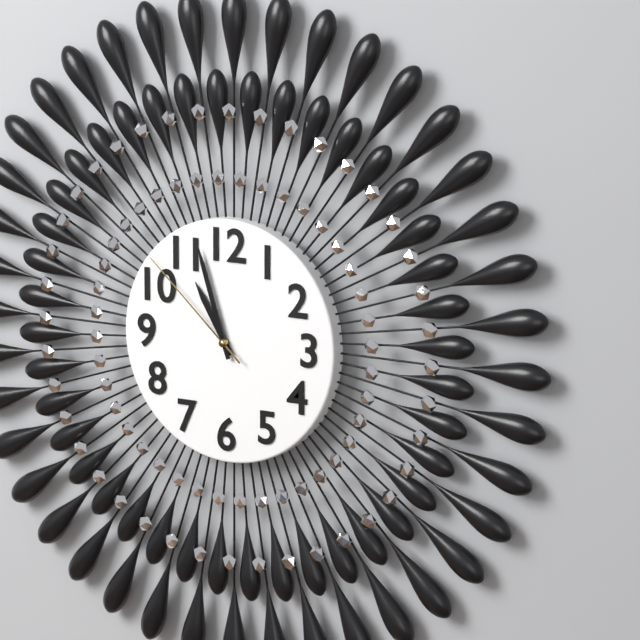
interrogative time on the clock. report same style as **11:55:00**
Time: **10:57:52**
